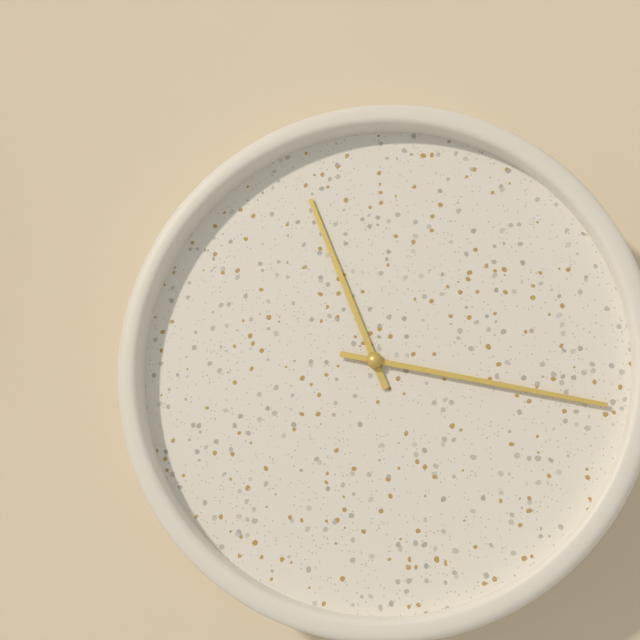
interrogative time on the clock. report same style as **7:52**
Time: **11:17**
